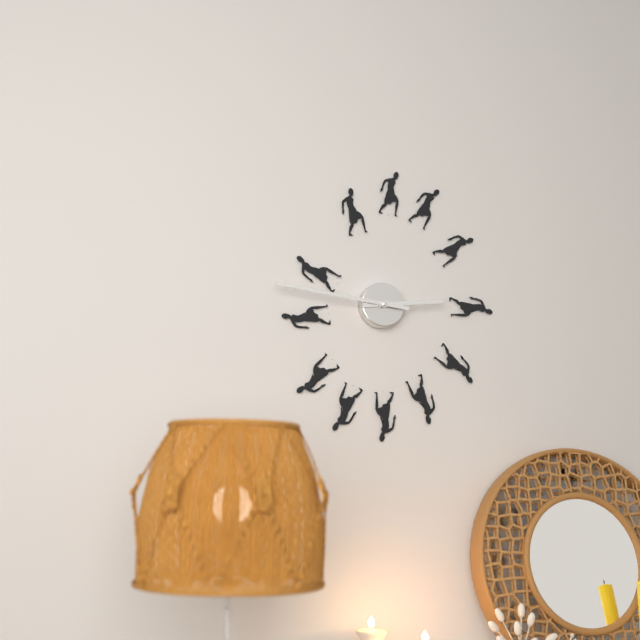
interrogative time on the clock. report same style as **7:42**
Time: **2:46**
